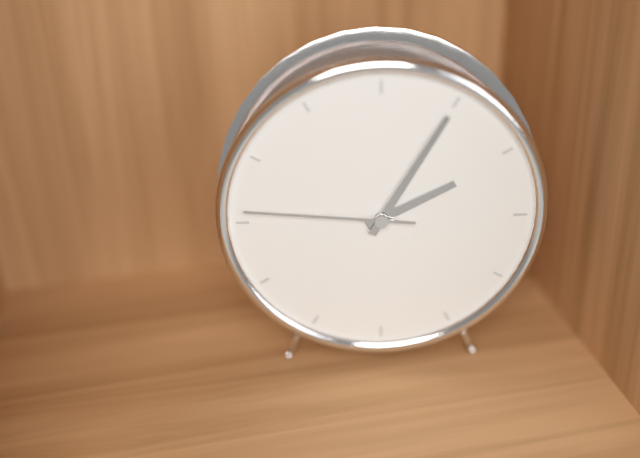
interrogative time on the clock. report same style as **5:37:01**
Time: **2:05:46**
